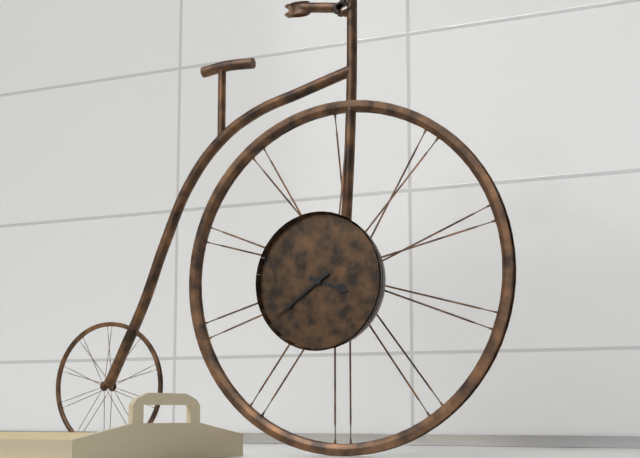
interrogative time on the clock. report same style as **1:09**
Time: **3:39**
